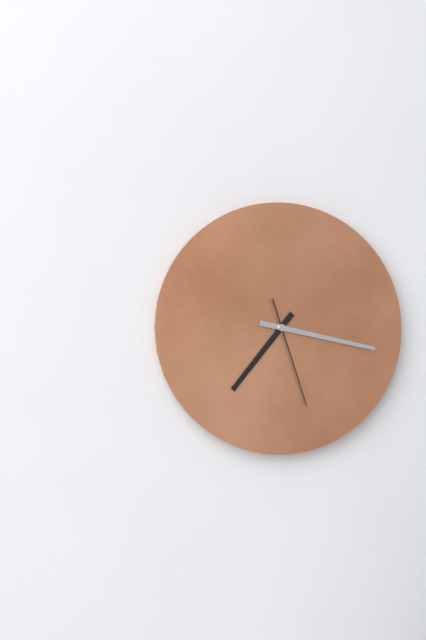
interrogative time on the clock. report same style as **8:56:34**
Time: **7:17:27**
